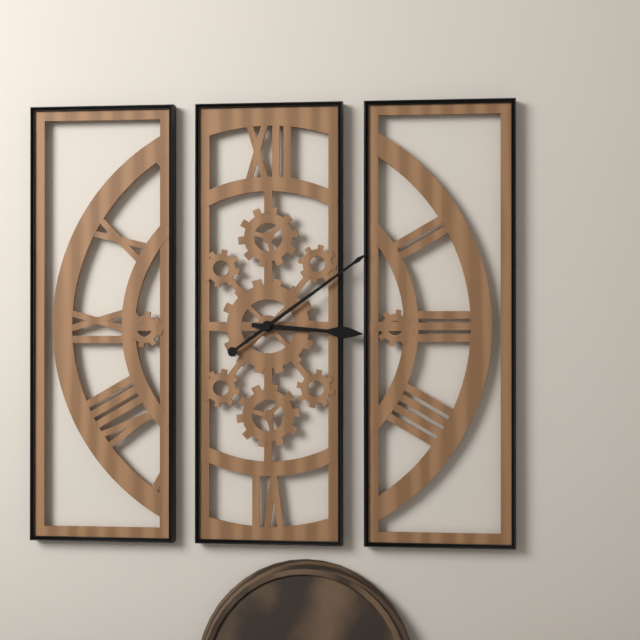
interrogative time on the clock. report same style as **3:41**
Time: **3:09**
